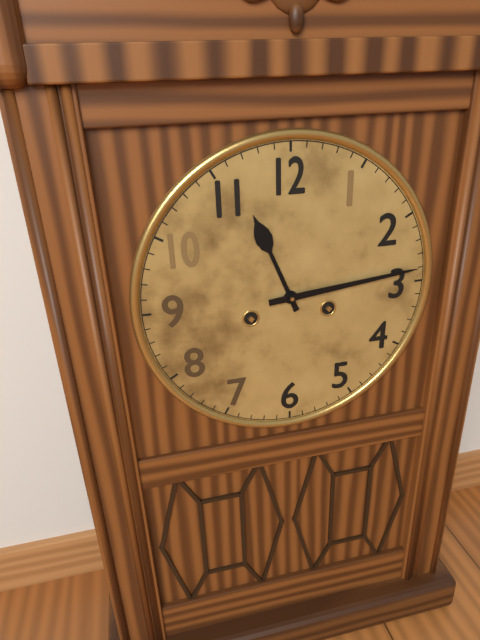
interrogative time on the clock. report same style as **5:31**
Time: **11:14**
